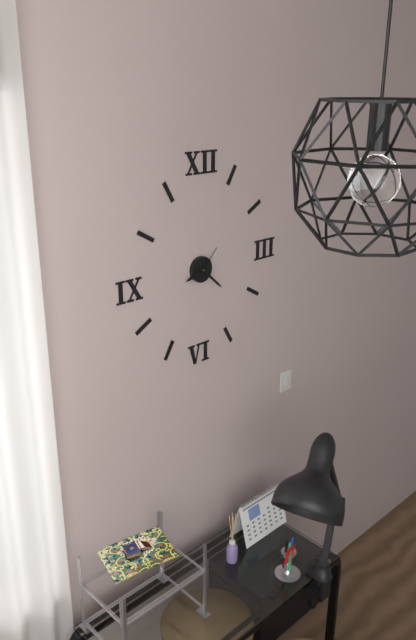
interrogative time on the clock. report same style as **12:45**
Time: **8:22**
